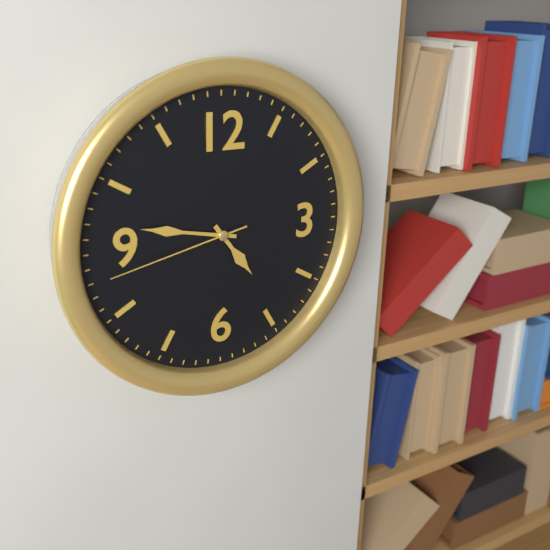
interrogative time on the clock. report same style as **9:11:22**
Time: **4:47:43**
